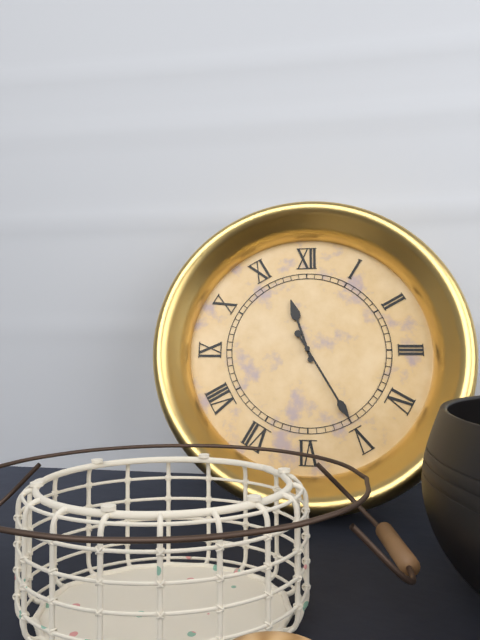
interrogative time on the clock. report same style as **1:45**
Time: **11:25**
